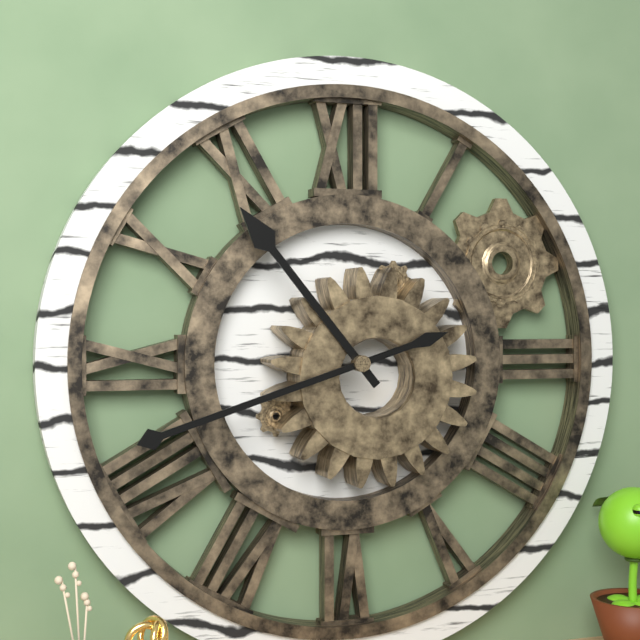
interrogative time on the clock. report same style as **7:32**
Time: **10:42**
